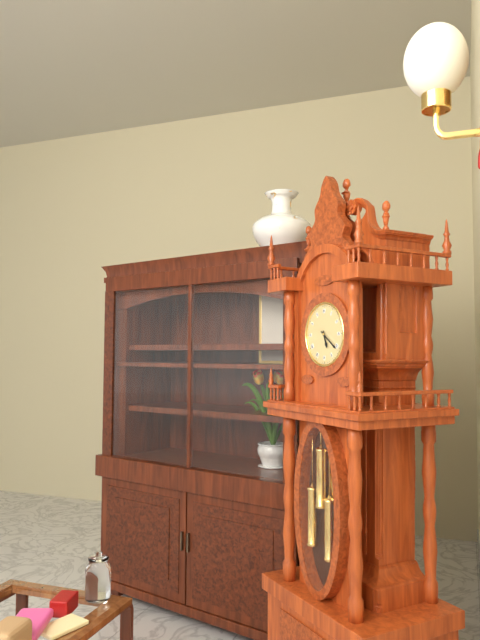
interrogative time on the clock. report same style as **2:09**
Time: **5:21**
